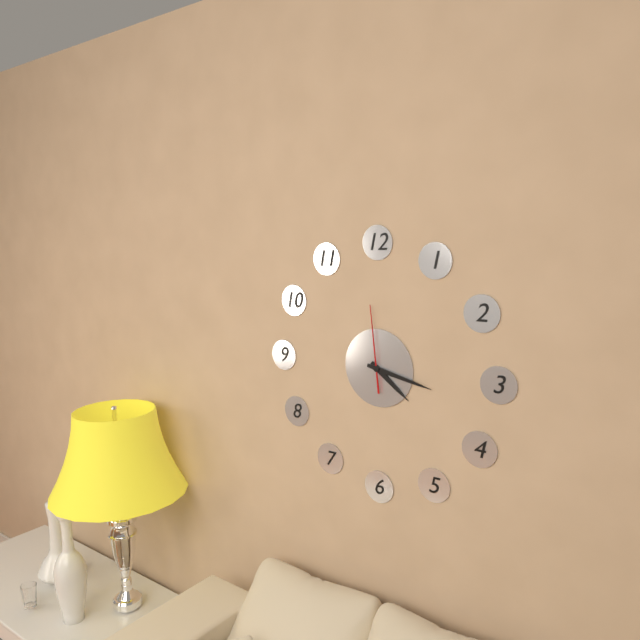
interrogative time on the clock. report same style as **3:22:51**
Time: **4:17:59**
